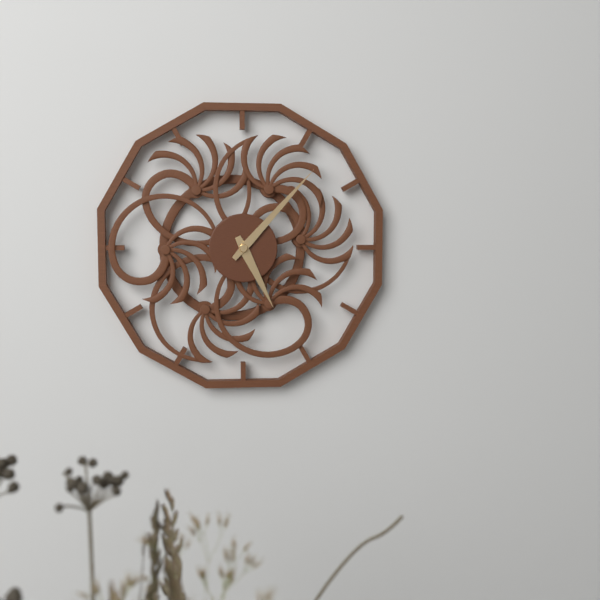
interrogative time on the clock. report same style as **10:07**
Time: **5:07**
